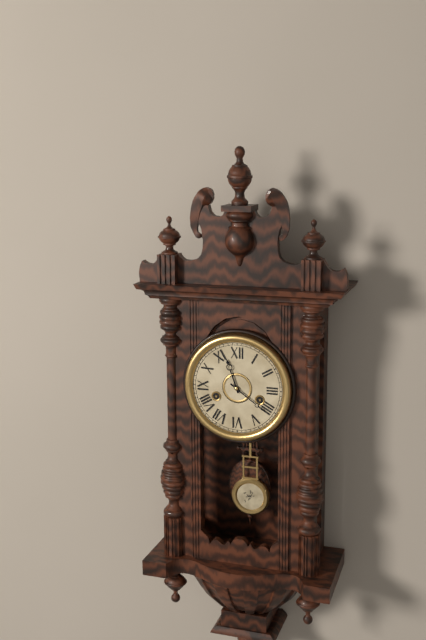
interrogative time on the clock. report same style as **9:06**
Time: **11:21**
